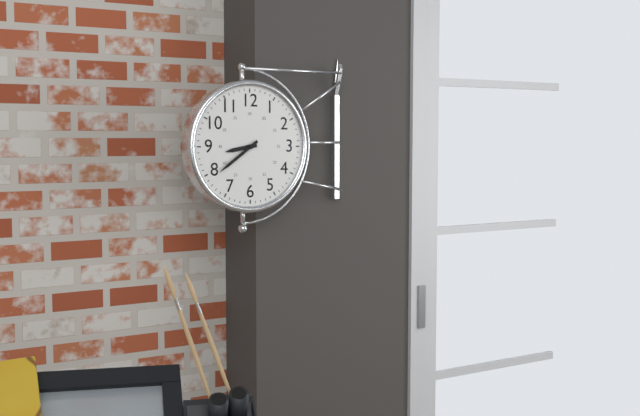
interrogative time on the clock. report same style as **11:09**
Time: **8:39**
